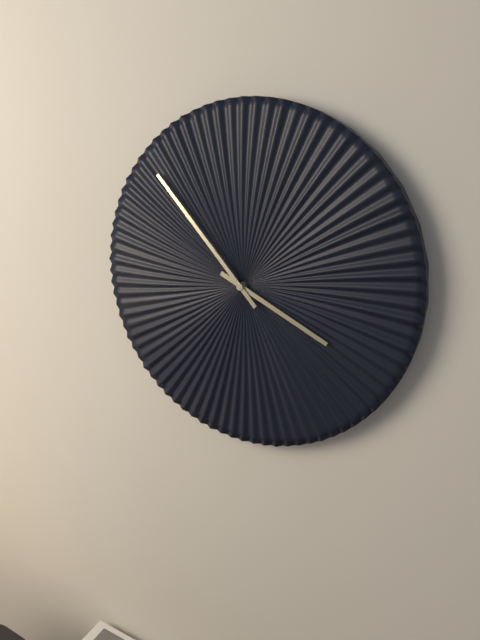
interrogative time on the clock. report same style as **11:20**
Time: **3:53**
